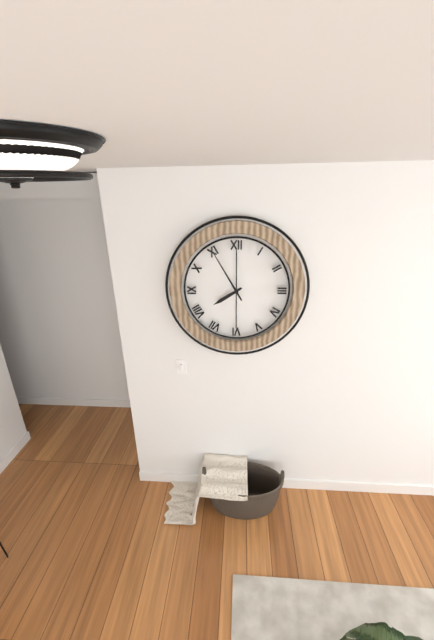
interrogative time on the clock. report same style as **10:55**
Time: **7:55**
